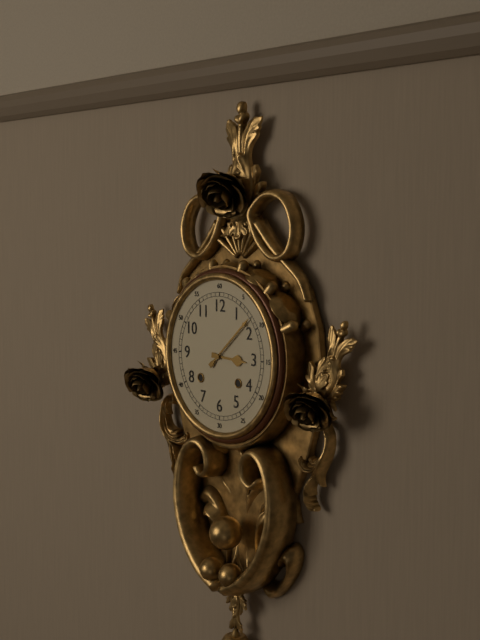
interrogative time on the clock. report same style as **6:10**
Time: **3:08**
